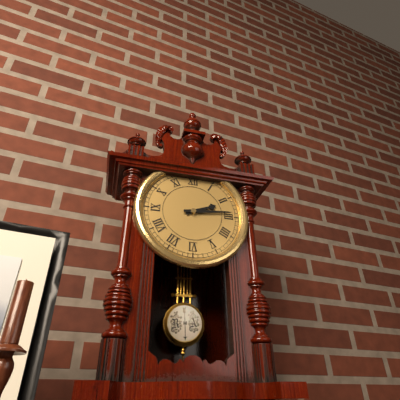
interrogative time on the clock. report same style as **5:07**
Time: **2:14**
